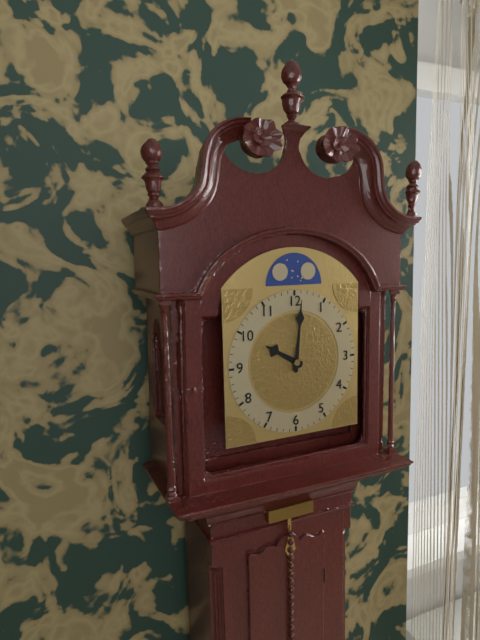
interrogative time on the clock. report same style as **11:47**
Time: **10:01**
